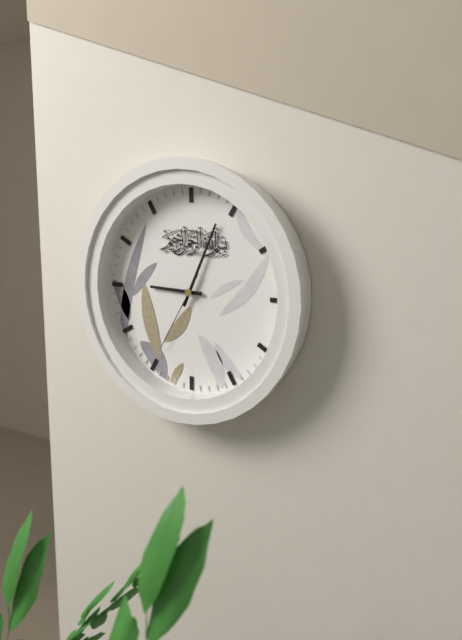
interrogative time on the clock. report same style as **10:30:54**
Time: **9:04:35**
